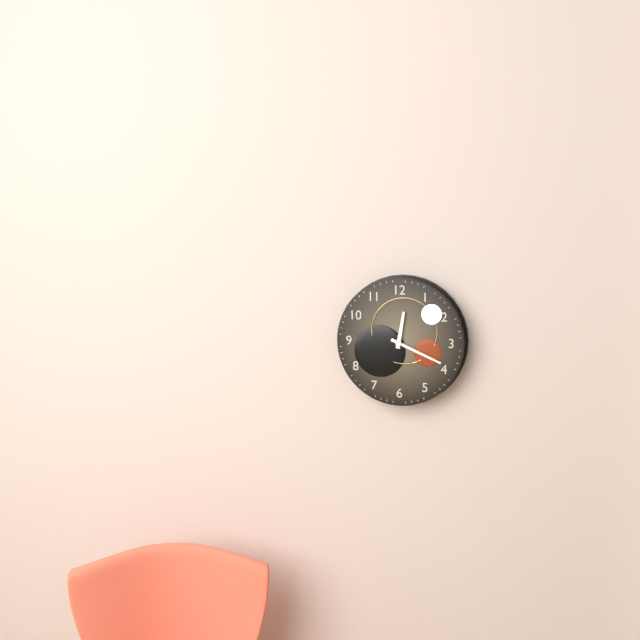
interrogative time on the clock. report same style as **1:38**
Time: **12:19**
